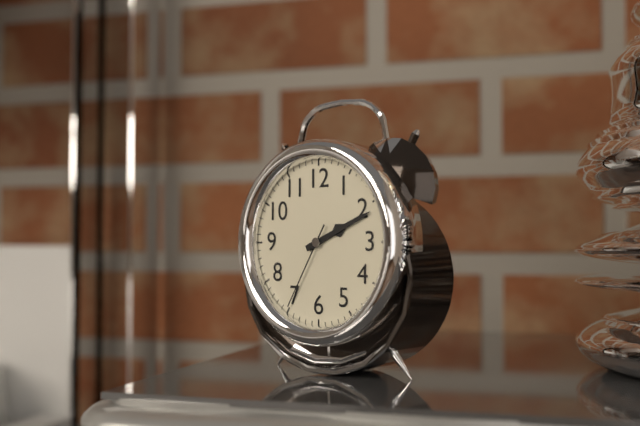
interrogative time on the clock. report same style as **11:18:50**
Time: **2:11:35**
